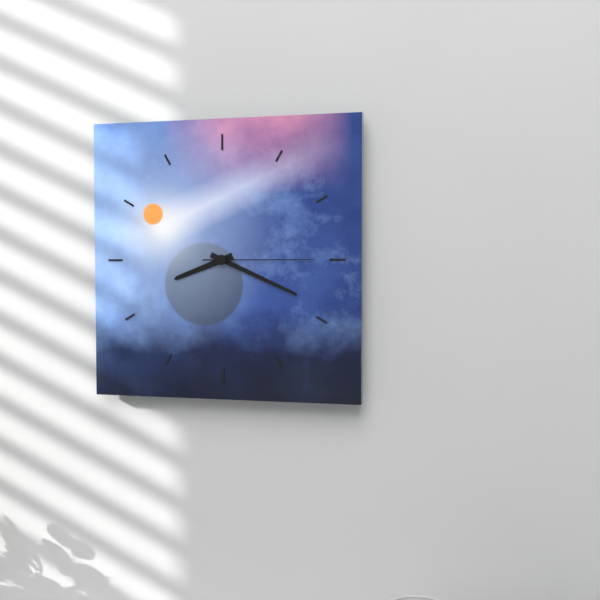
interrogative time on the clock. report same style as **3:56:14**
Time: **8:19:15**
